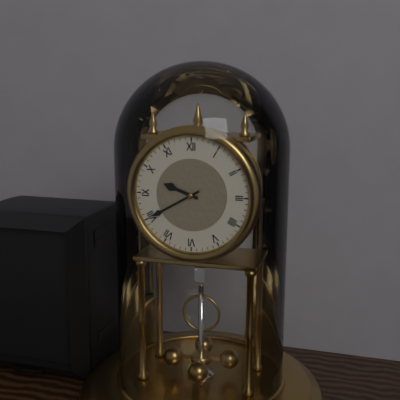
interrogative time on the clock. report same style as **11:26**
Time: **9:40**
